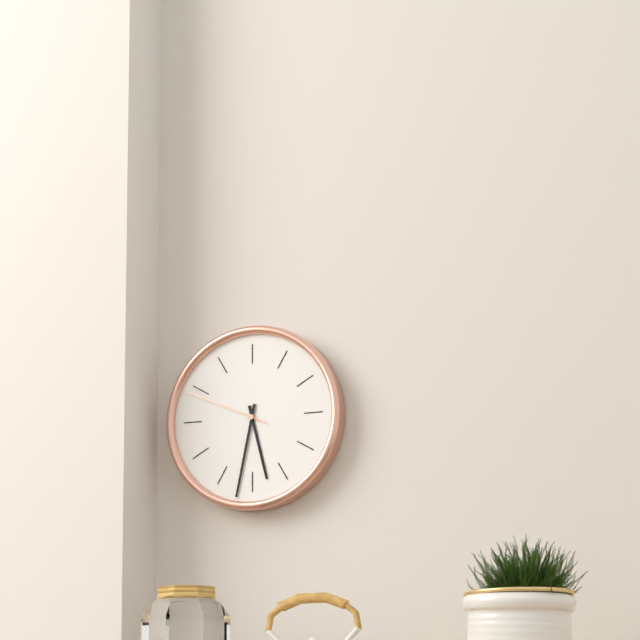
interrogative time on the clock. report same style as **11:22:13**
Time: **5:32:49**
